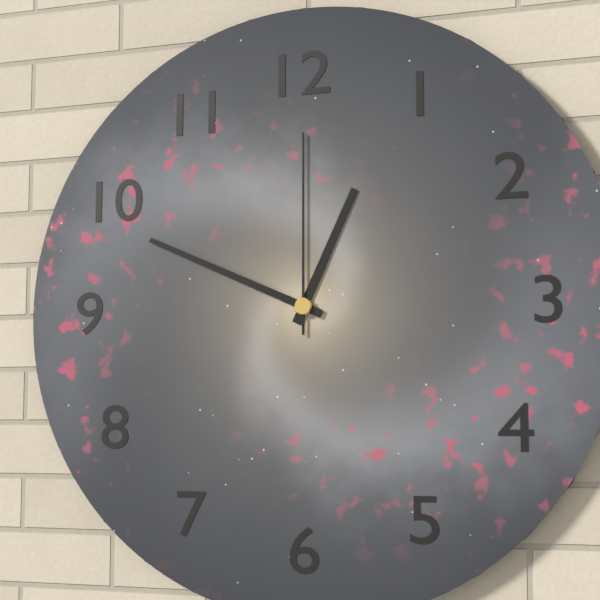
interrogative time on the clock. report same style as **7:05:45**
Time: **12:49:00**
